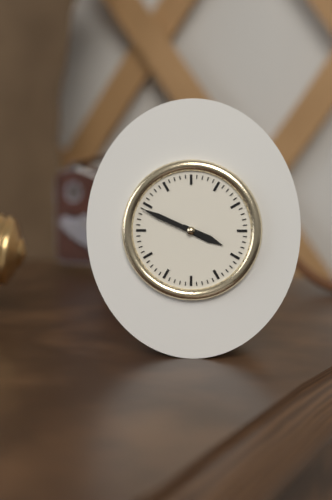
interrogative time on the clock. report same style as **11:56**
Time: **3:49**
